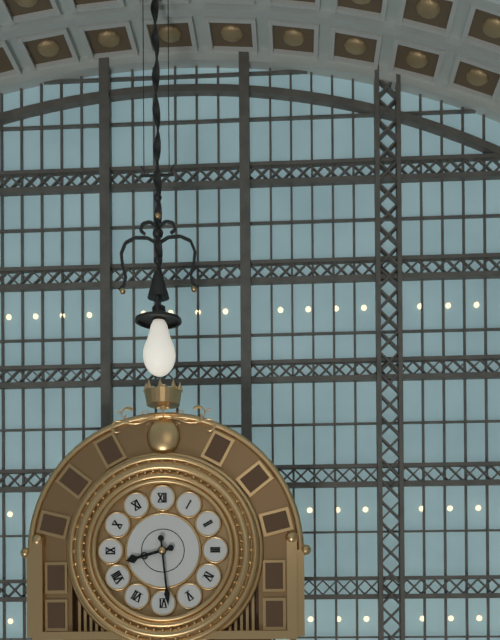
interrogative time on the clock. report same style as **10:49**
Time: **8:29**
